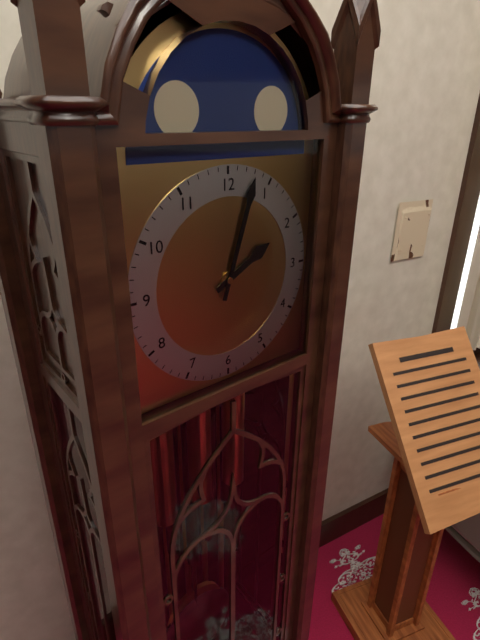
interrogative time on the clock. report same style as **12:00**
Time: **2:03**
